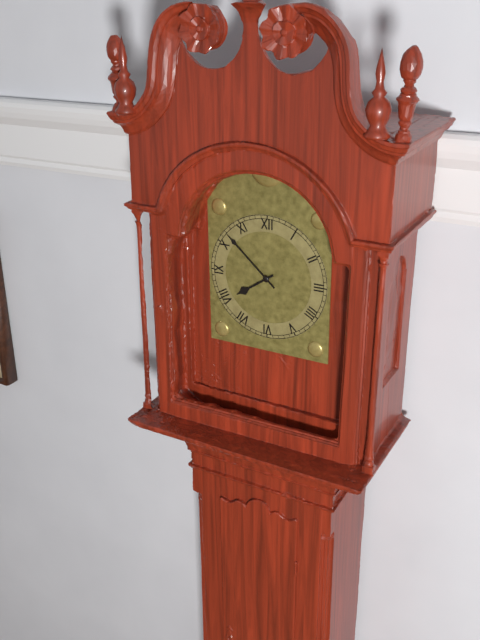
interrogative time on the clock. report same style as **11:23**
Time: **7:52**
